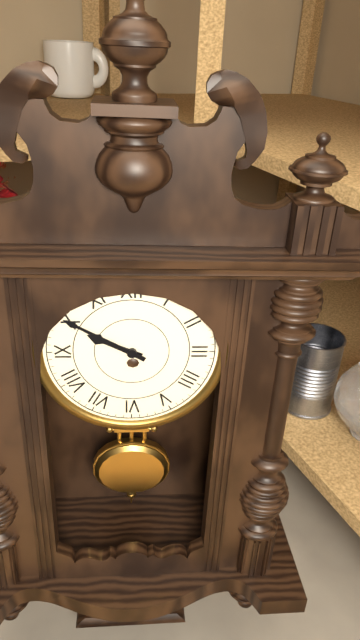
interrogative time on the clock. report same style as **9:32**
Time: **9:50**
